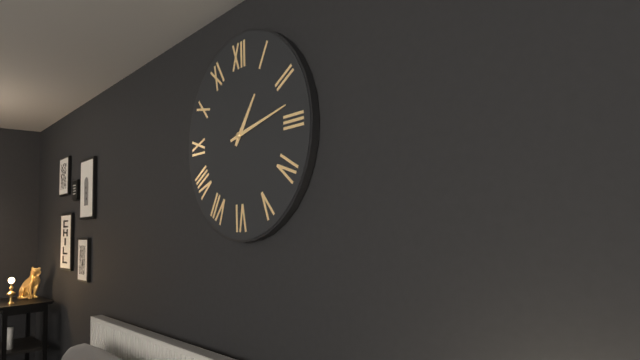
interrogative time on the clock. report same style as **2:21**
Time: **1:13**
